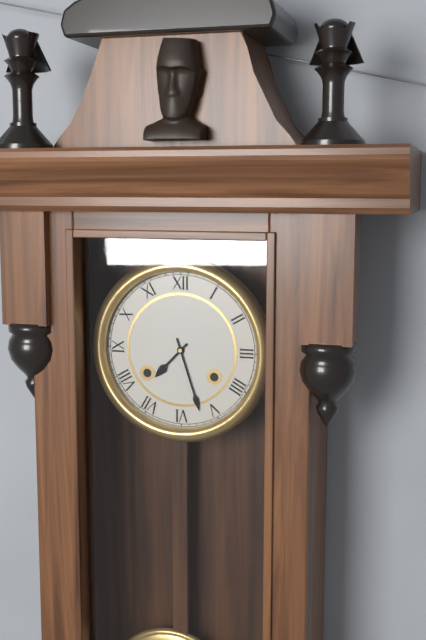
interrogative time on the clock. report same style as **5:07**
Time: **7:27**
